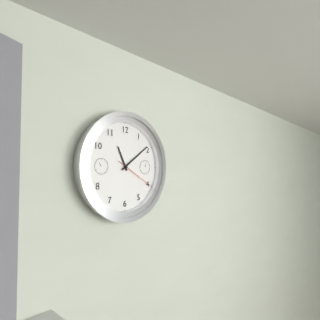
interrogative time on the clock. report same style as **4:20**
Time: **11:09**
